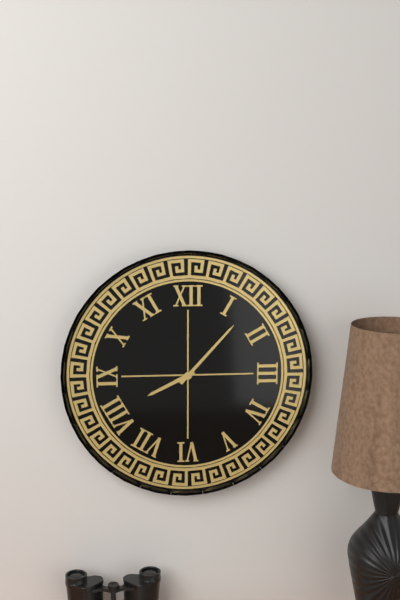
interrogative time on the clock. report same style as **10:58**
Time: **8:07**
